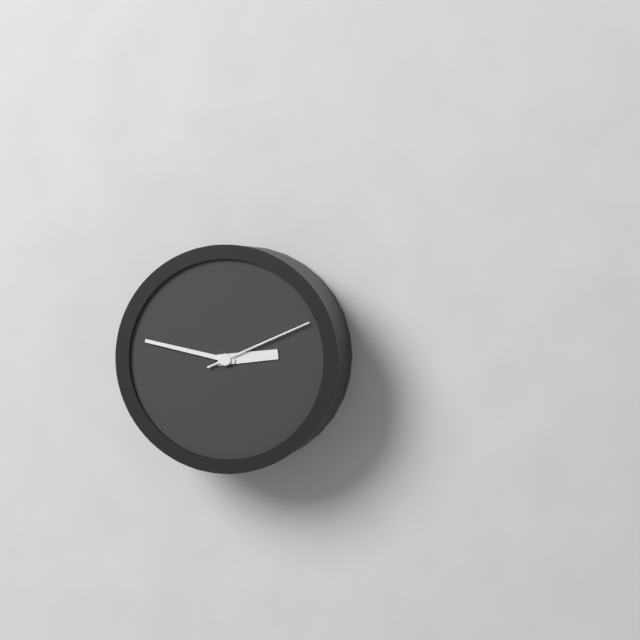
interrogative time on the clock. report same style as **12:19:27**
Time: **2:47:11**
